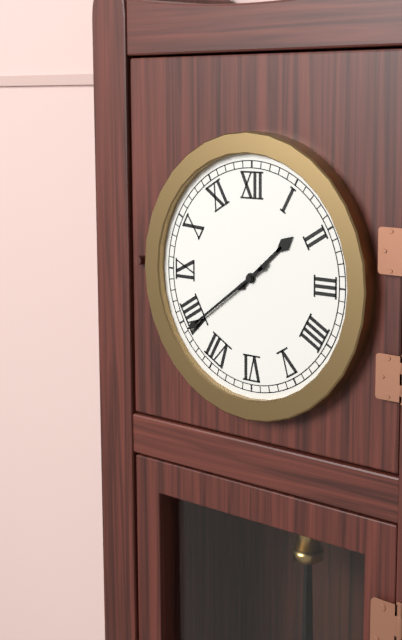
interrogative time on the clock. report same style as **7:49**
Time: **1:39**
